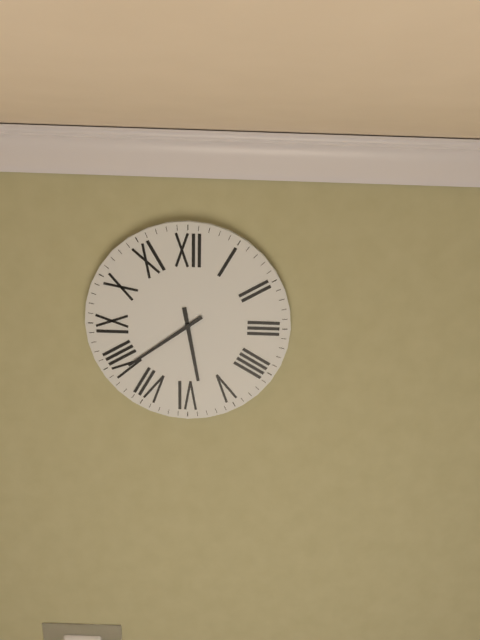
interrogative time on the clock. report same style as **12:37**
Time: **5:39**
